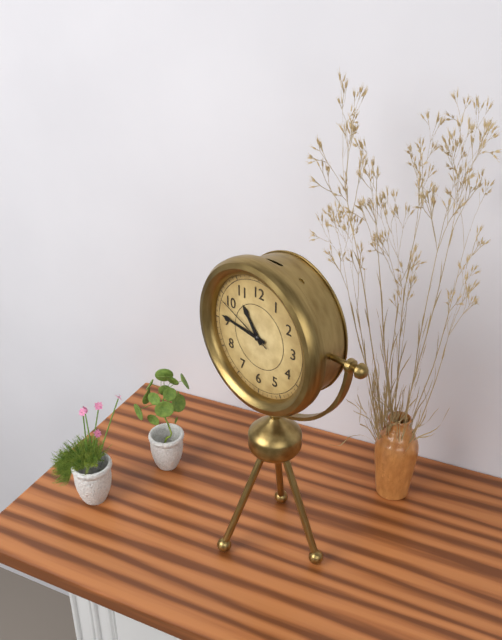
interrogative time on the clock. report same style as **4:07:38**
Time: **10:46:49**
